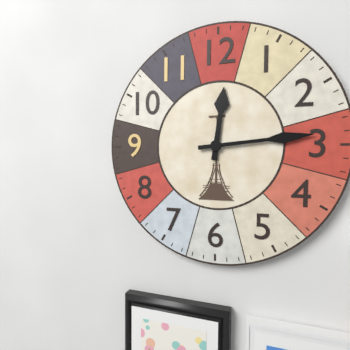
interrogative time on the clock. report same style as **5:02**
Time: **12:14**
